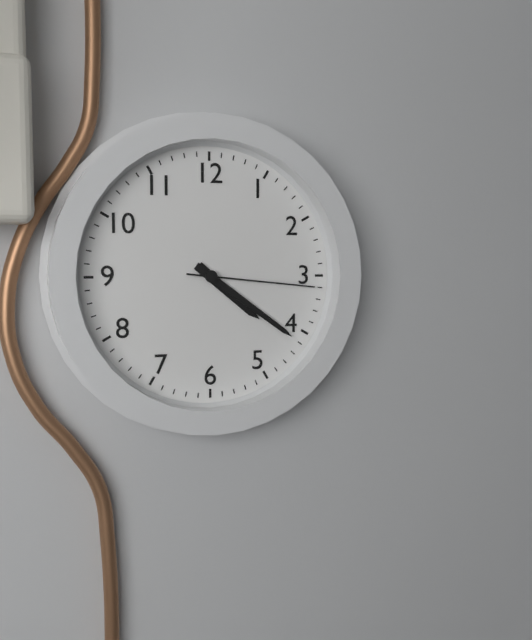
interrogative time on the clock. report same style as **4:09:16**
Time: **4:21:16**
